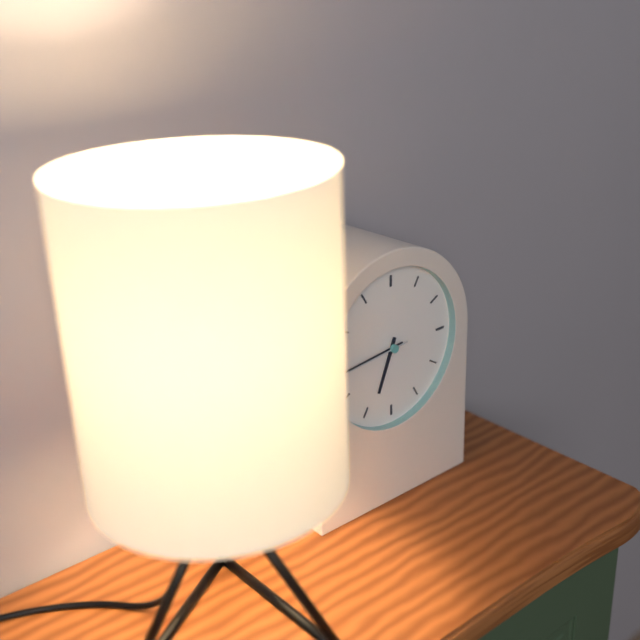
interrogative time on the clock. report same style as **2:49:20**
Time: **6:44:44**
